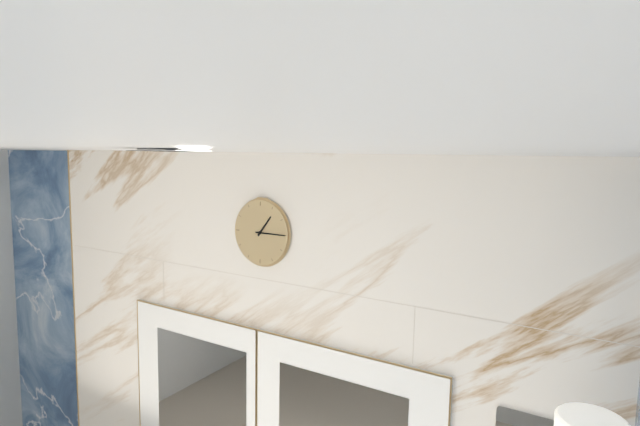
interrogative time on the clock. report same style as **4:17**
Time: **1:15**
